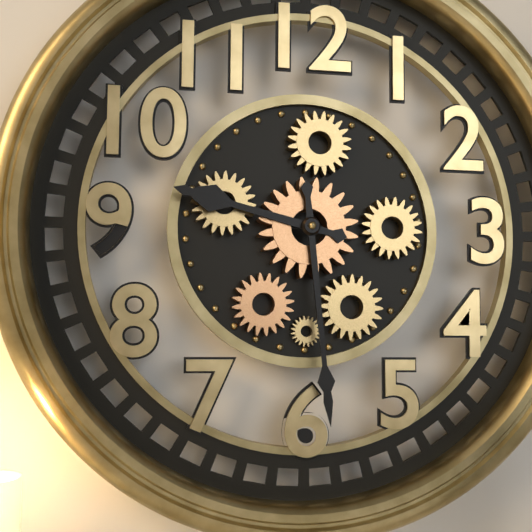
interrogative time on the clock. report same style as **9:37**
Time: **9:29**
